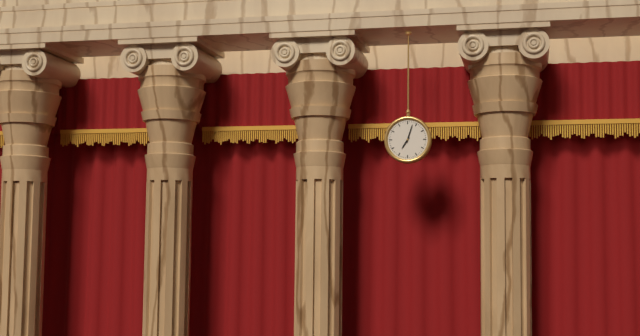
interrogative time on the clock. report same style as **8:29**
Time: **7:03**
